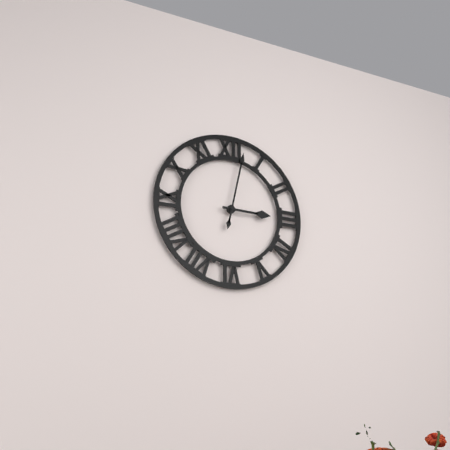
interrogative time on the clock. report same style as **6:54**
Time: **3:02**
